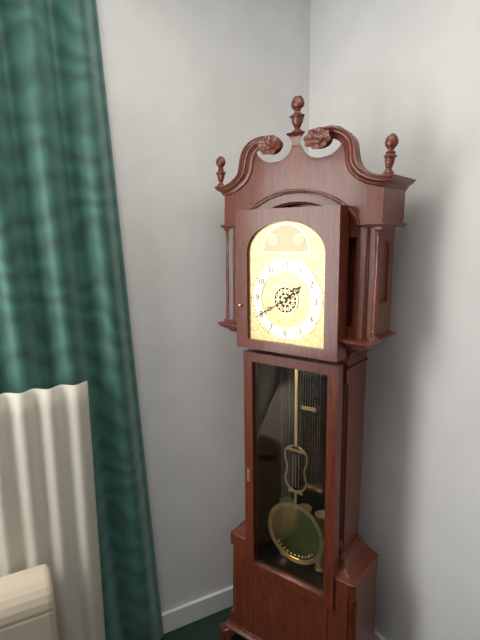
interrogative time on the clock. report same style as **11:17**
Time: **1:40**
